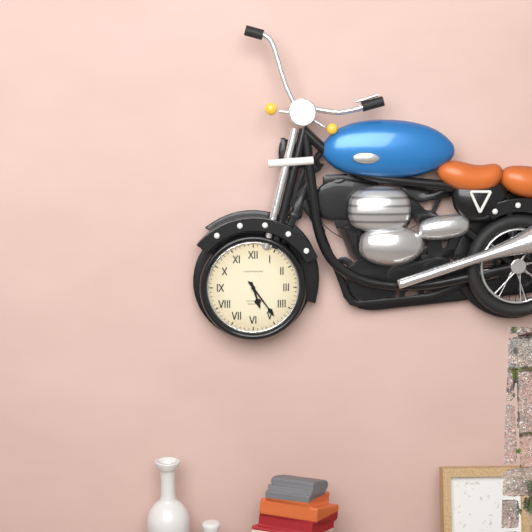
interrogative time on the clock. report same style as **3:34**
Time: **5:24**
